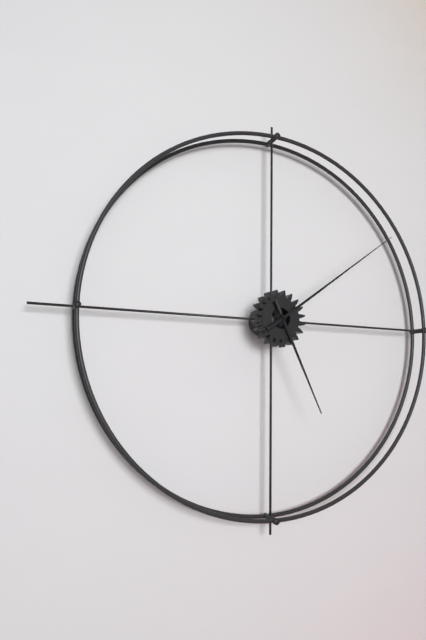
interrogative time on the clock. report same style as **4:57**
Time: **5:09**
